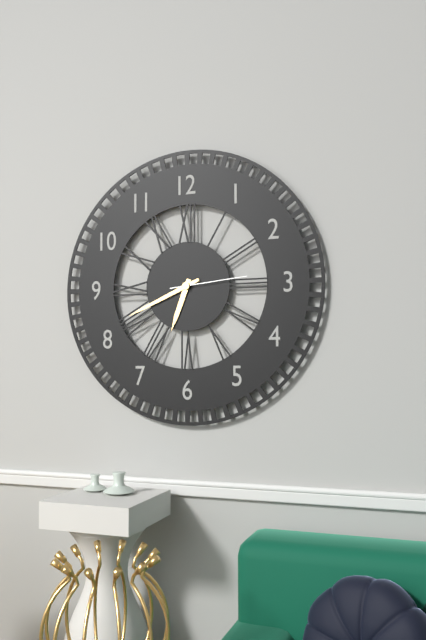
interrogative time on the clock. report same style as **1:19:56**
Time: **6:41:14**
